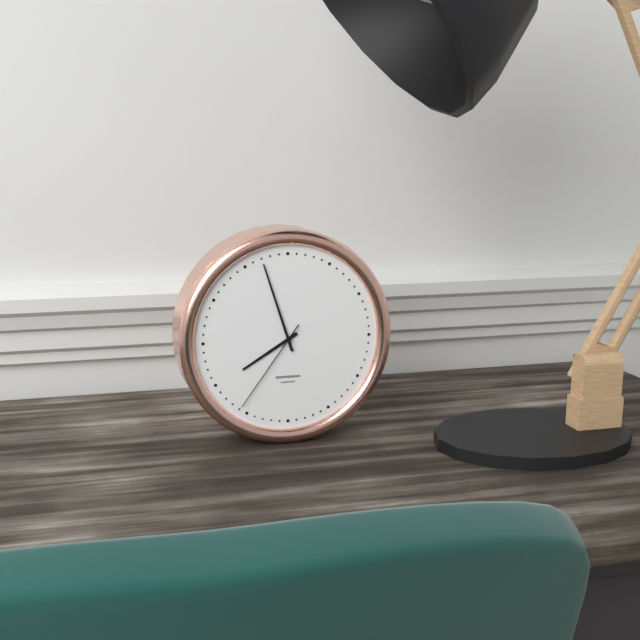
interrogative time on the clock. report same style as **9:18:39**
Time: **7:57:36**
